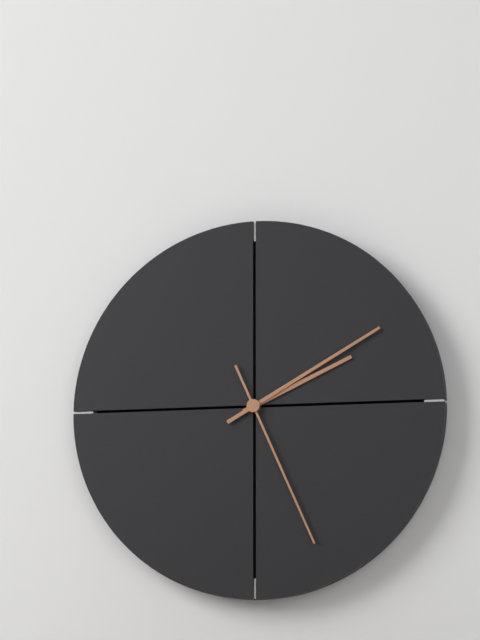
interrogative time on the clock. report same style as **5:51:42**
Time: **2:10:26**
